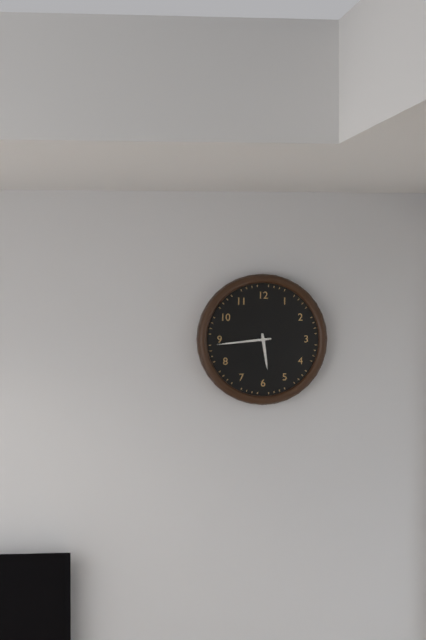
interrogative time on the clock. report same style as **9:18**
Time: **5:44**
